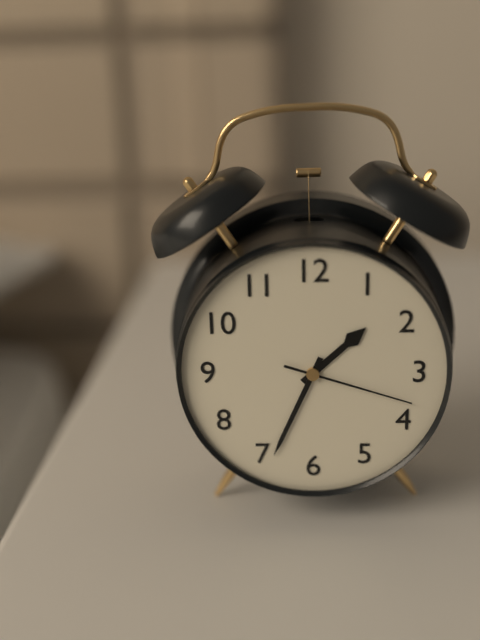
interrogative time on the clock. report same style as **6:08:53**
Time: **1:34:18**
